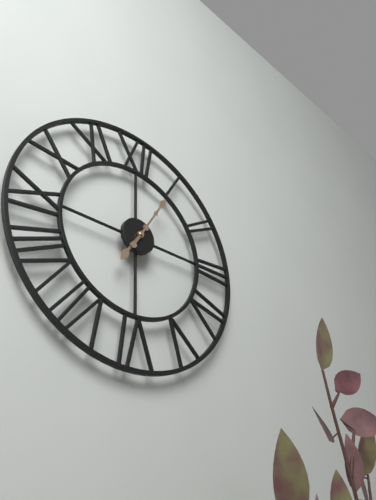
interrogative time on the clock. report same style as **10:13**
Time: **7:05**
